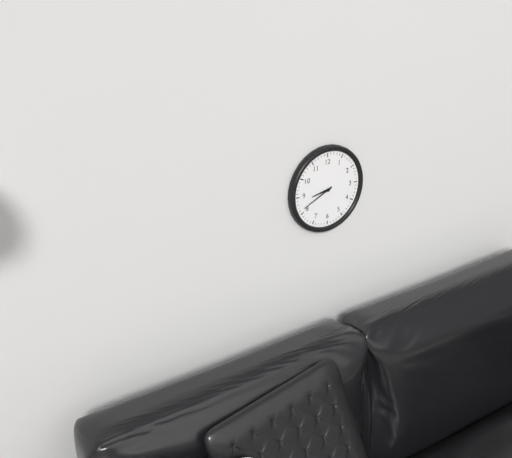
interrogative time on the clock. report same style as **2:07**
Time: **8:41**
